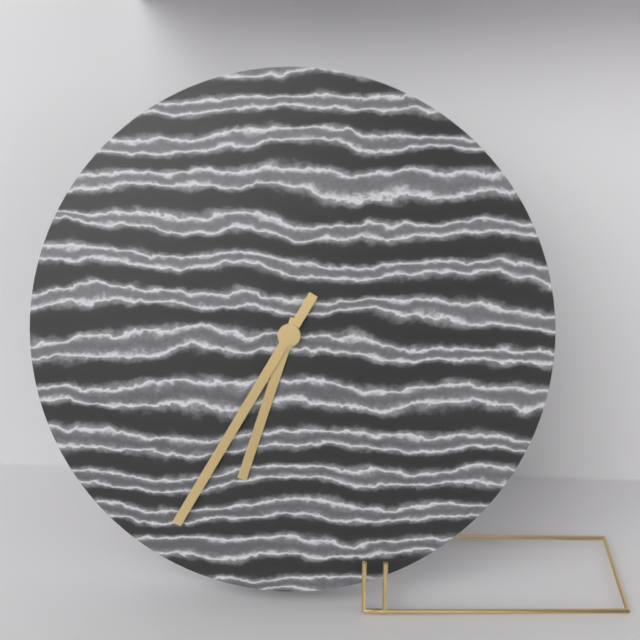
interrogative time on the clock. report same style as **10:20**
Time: **6:35**
